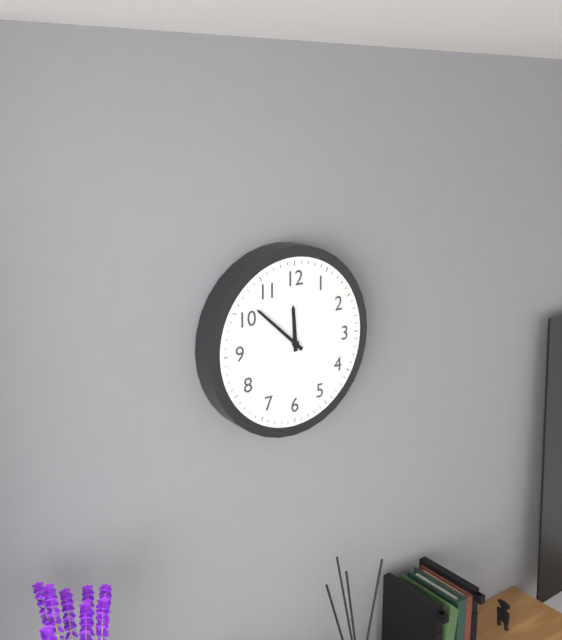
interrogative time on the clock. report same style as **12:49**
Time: **11:52**
